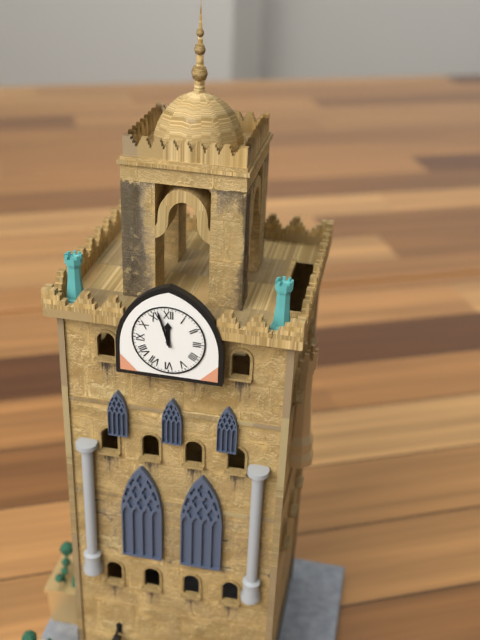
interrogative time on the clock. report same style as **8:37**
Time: **11:57**
